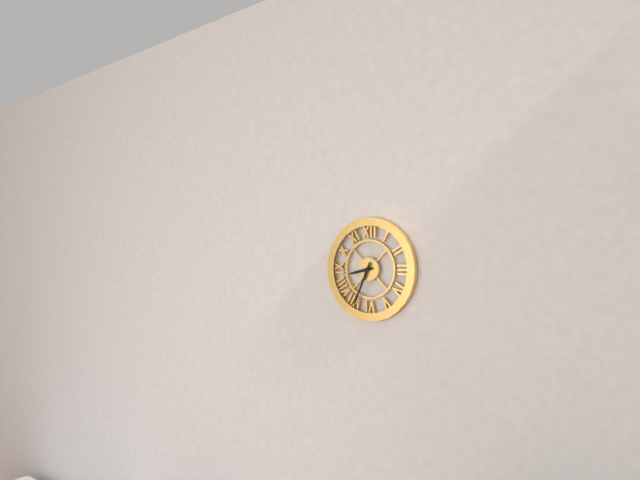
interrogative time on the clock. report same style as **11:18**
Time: **8:34**
